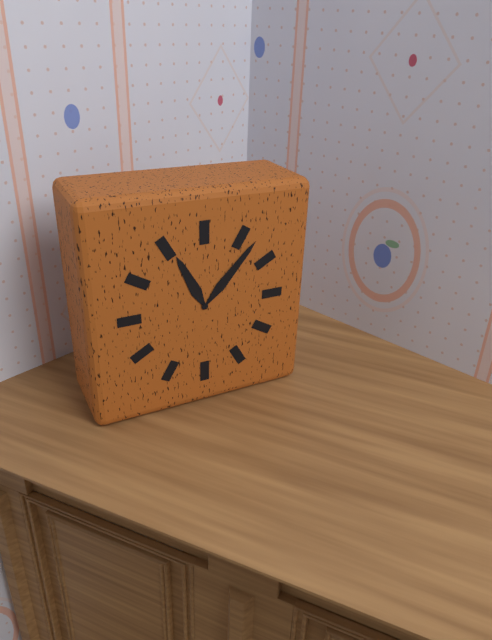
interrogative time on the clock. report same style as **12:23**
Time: **11:07**
